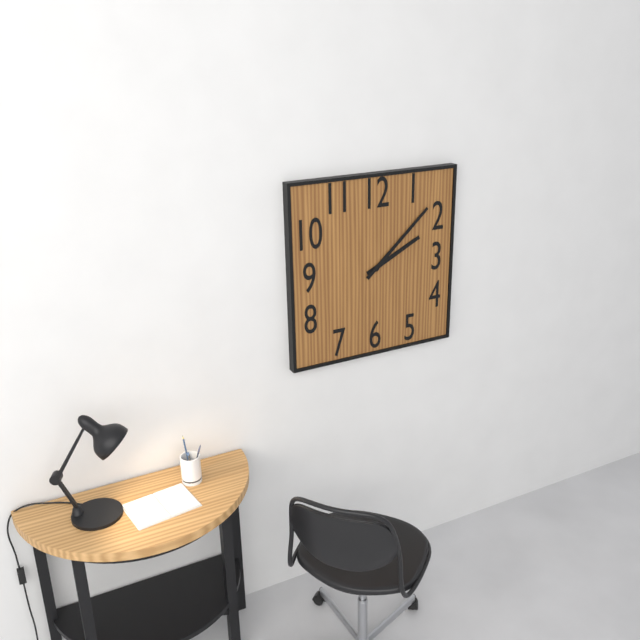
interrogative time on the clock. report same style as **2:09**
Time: **2:08**
